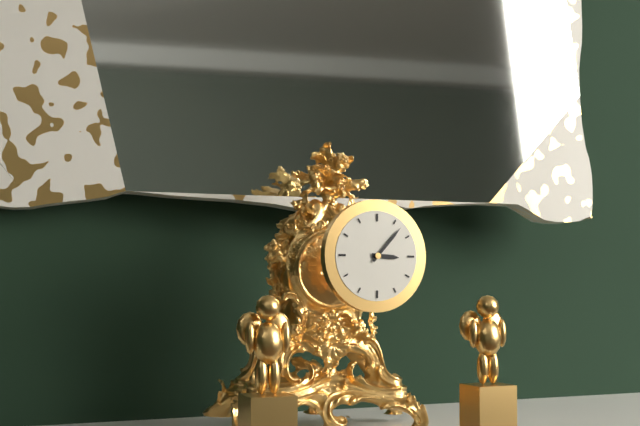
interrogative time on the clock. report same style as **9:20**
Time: **3:07**
